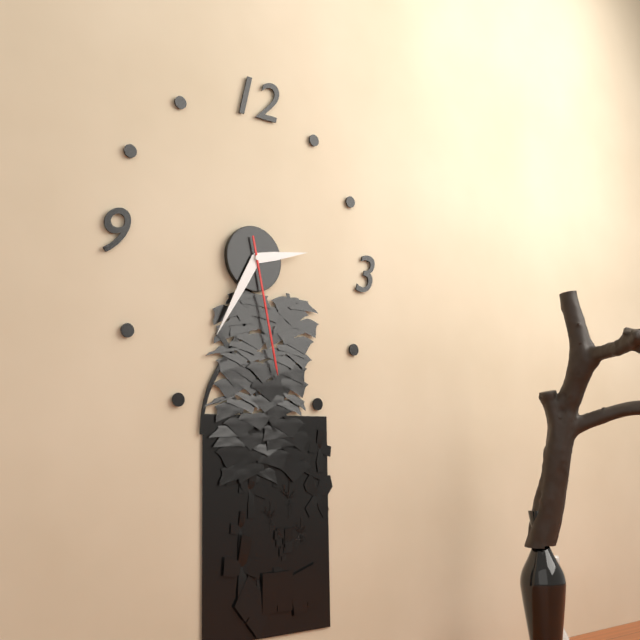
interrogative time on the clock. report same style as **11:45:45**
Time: **2:35:28**
